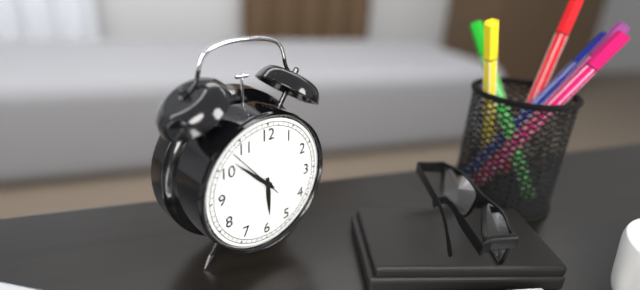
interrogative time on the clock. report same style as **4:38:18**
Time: **5:52:53**
